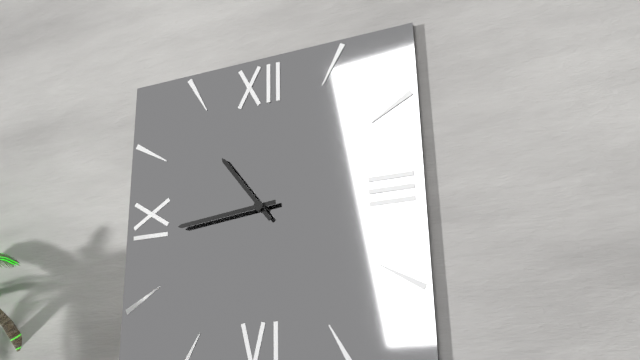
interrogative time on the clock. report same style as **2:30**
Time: **10:44**
